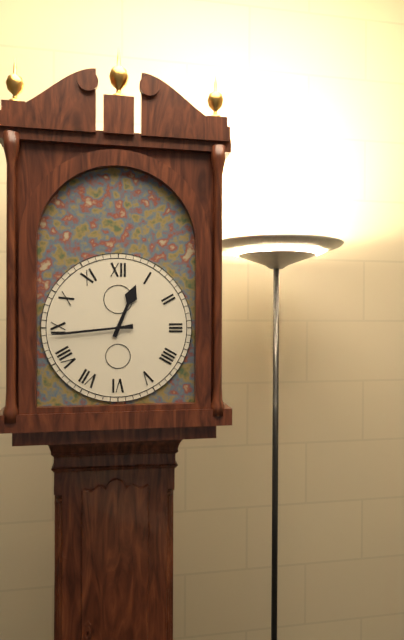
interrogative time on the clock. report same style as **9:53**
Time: **12:44**
